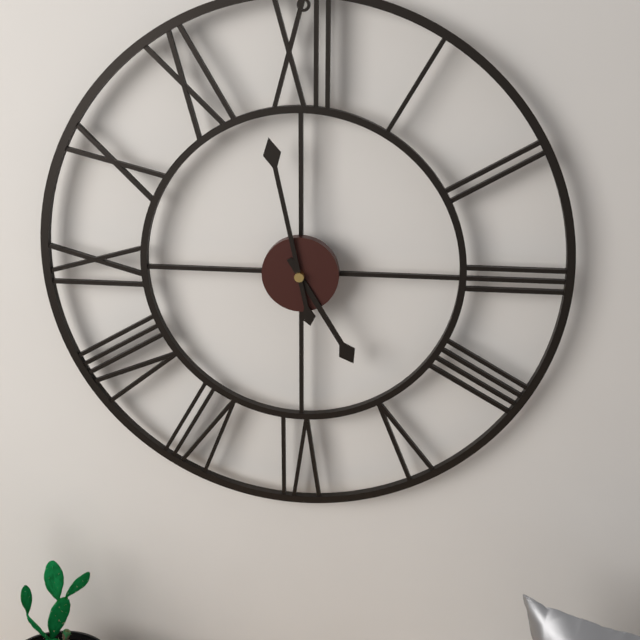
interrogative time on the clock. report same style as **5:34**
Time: **4:58**
